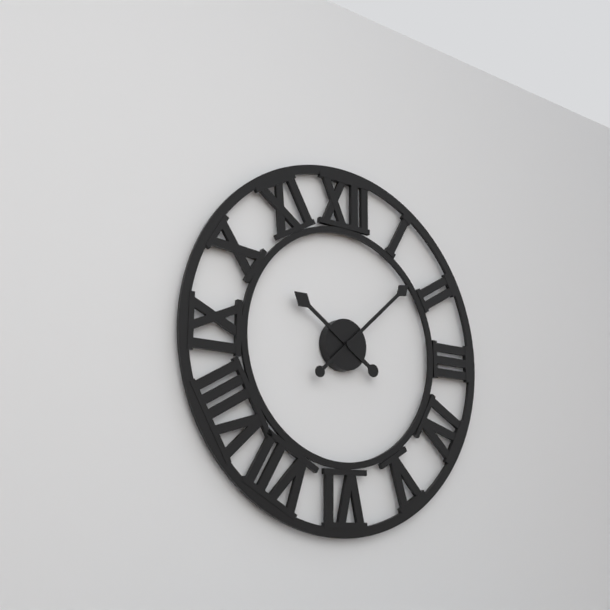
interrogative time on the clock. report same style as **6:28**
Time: **10:08**
